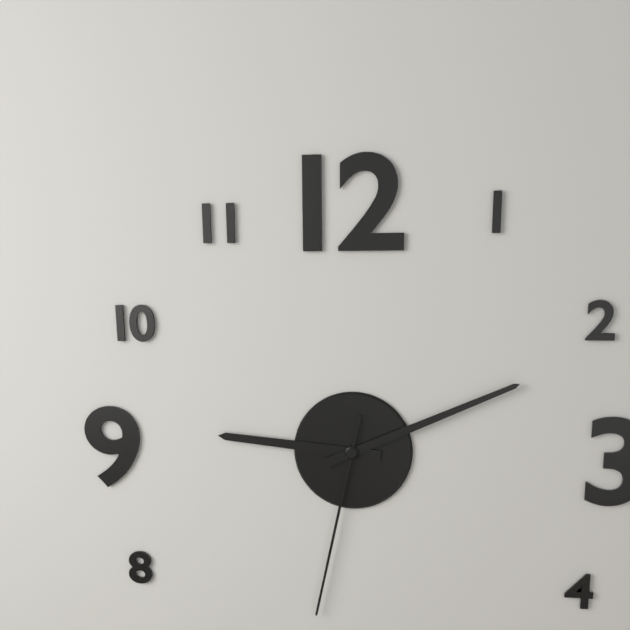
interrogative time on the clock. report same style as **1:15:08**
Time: **9:11:32**
